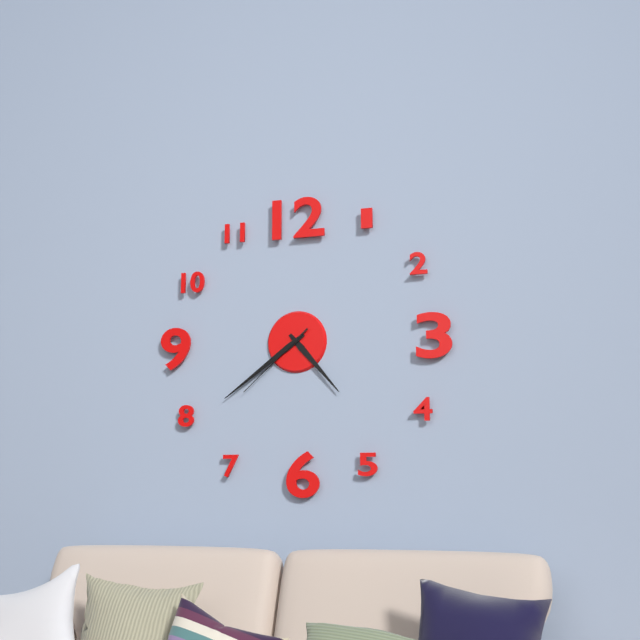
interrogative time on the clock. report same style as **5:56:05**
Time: **4:39:38**
